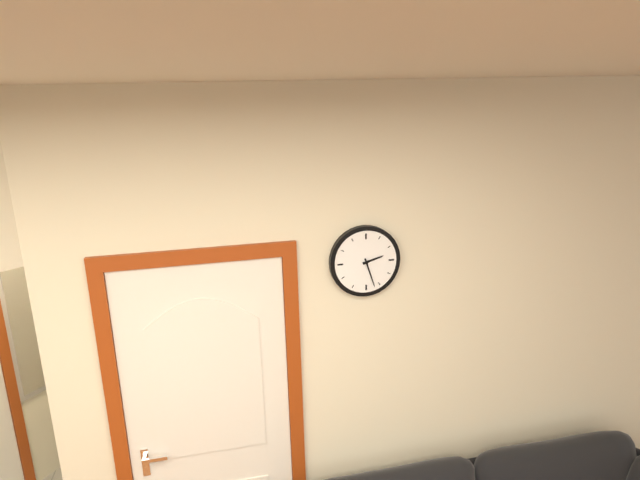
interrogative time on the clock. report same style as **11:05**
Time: **2:27**
